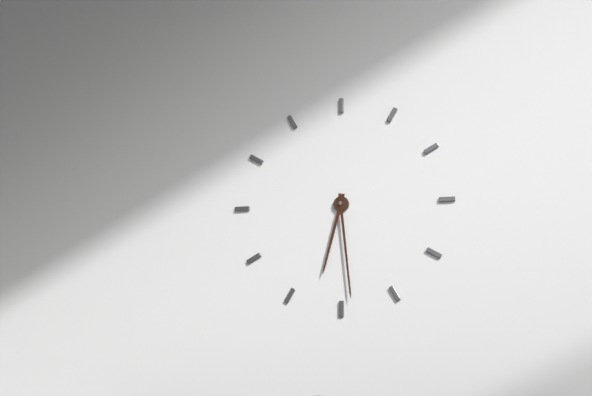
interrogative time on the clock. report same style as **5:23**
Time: **6:29**
